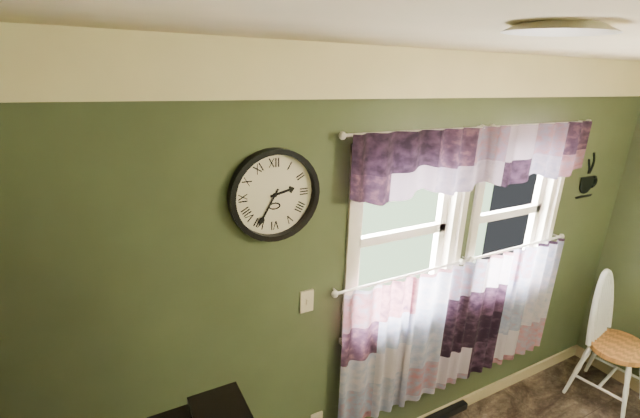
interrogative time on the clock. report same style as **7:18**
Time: **2:35**
